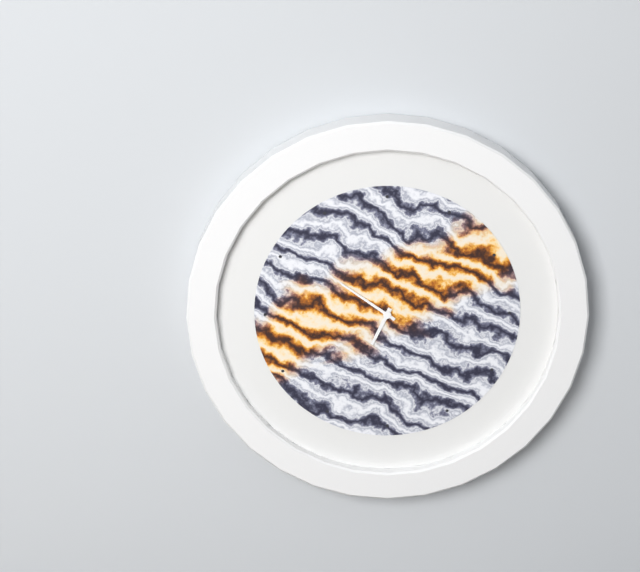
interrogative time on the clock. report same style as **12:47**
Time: **6:51**
